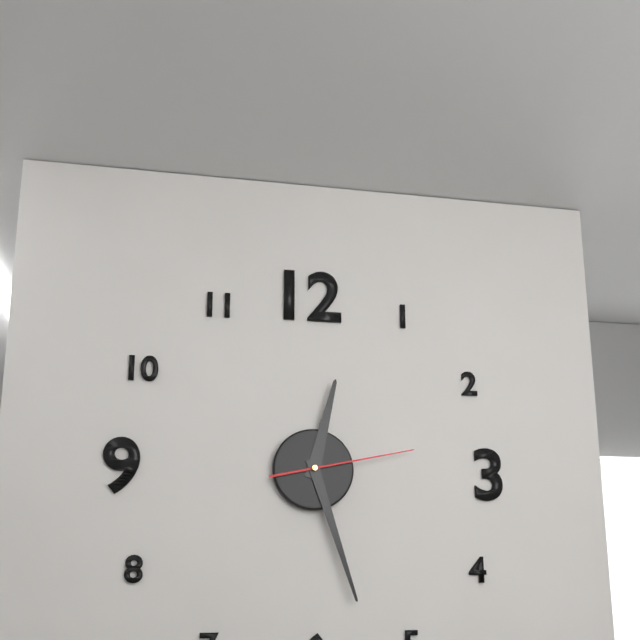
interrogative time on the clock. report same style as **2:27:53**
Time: **12:27:13**
